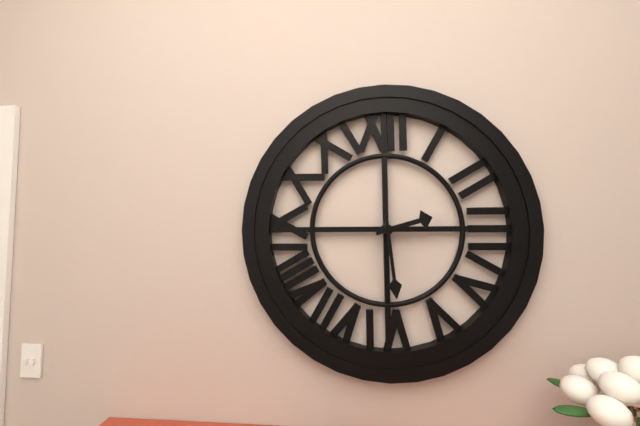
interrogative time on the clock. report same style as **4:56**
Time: **2:29**
